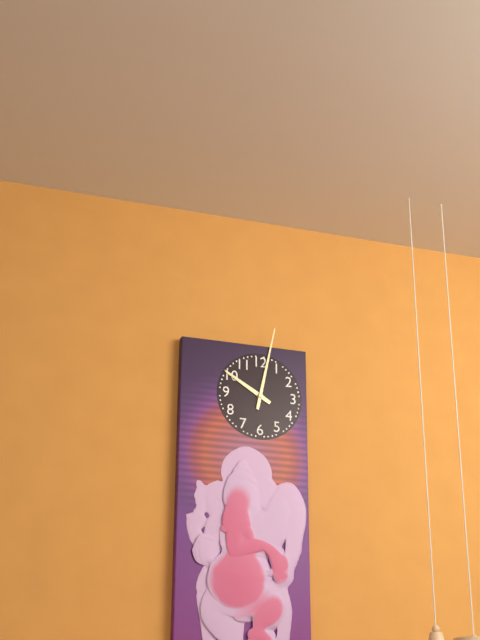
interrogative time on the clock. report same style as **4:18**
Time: **10:02**
